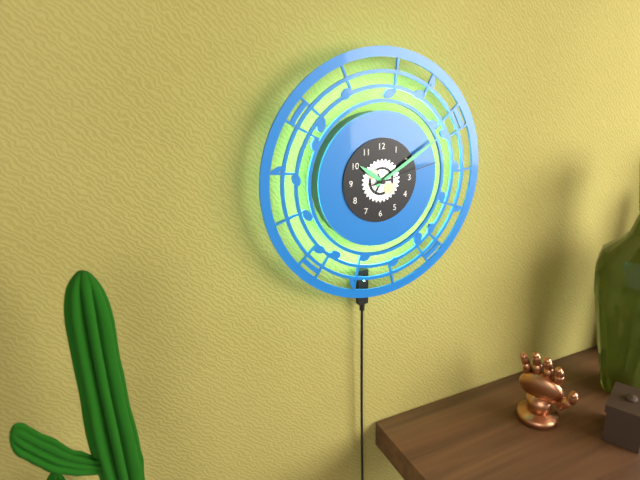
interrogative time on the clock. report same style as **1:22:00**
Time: **10:10:13**
